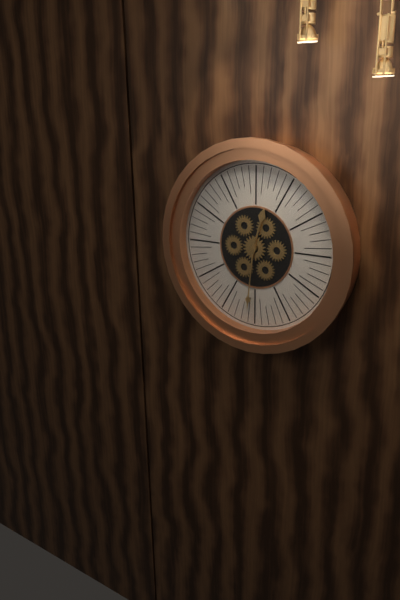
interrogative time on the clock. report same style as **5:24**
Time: **12:31**
